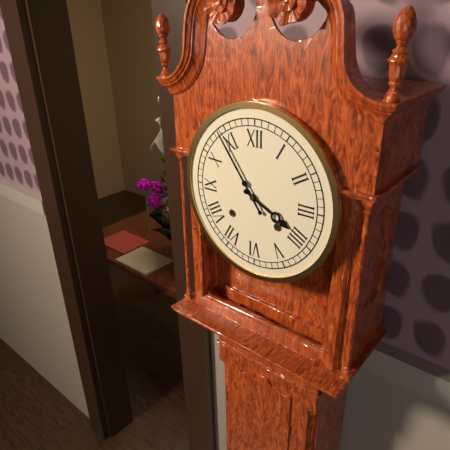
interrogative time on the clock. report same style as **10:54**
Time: **3:54**
